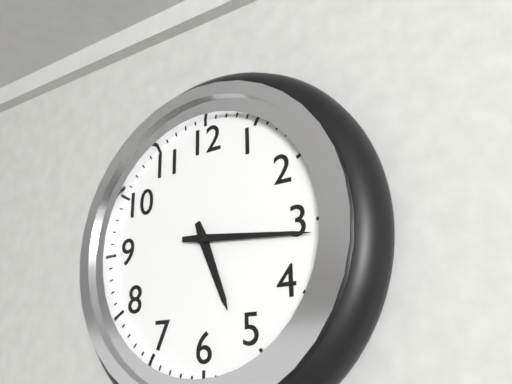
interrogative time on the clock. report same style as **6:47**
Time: **5:16**
